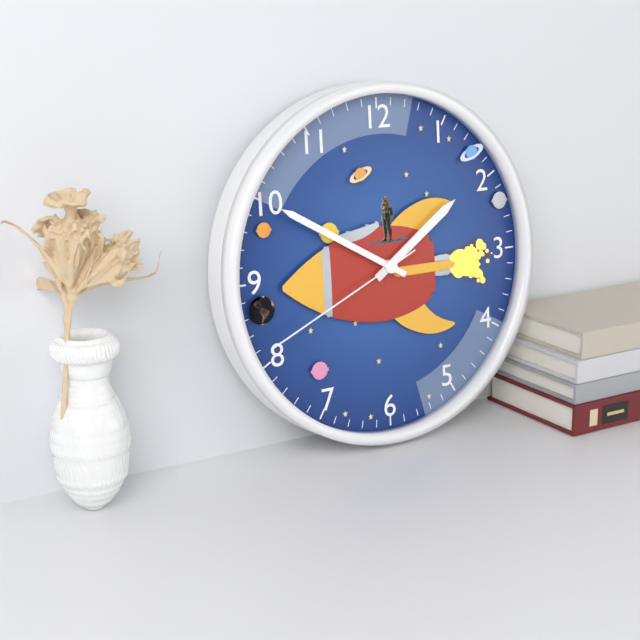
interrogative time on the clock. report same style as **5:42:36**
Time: **1:50:41**
